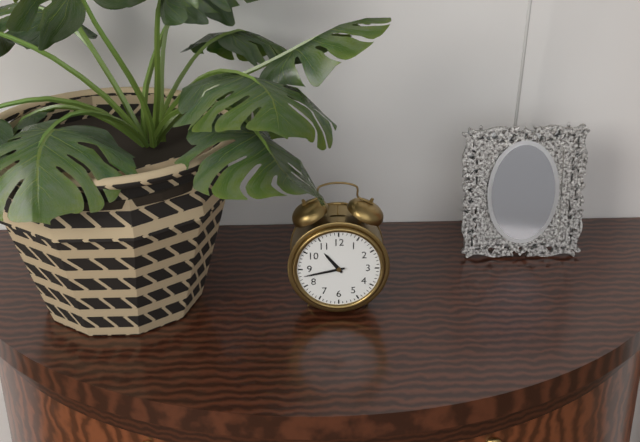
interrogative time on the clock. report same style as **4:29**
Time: **10:43**
